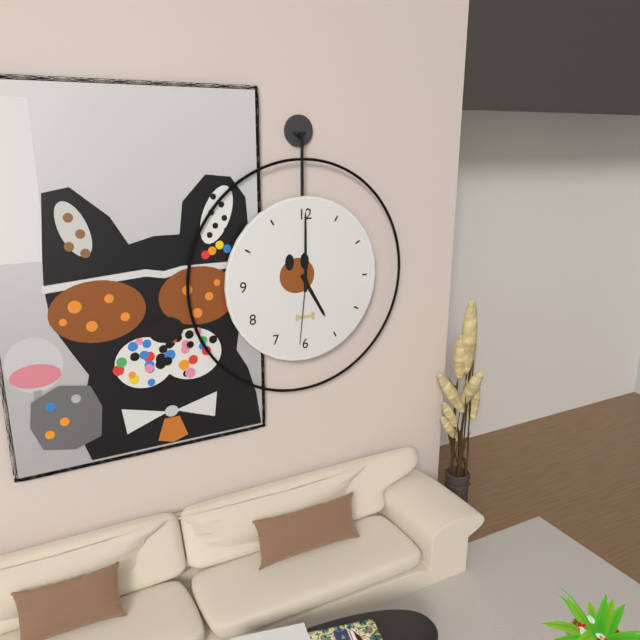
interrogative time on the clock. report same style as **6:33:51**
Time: **5:00:31**
